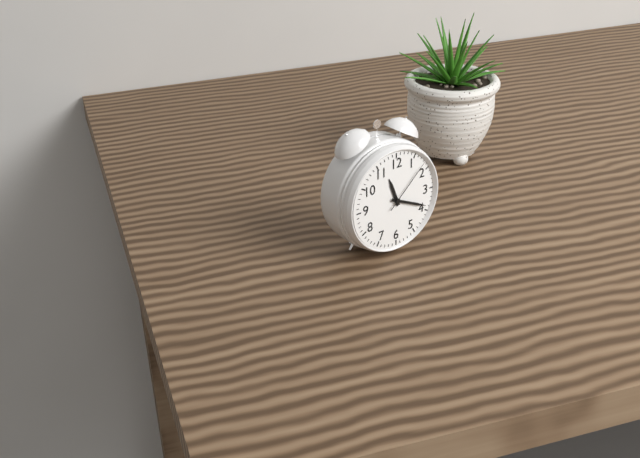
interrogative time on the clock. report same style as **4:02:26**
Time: **11:19:08**
